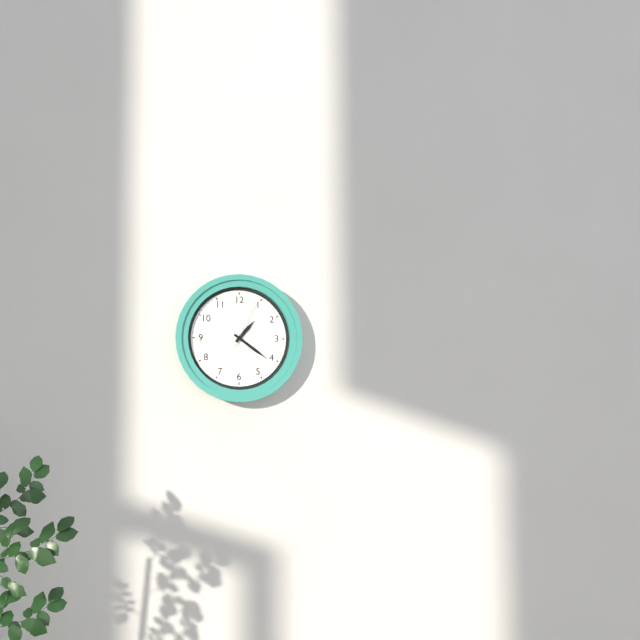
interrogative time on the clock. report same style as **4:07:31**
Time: **1:21:04**
